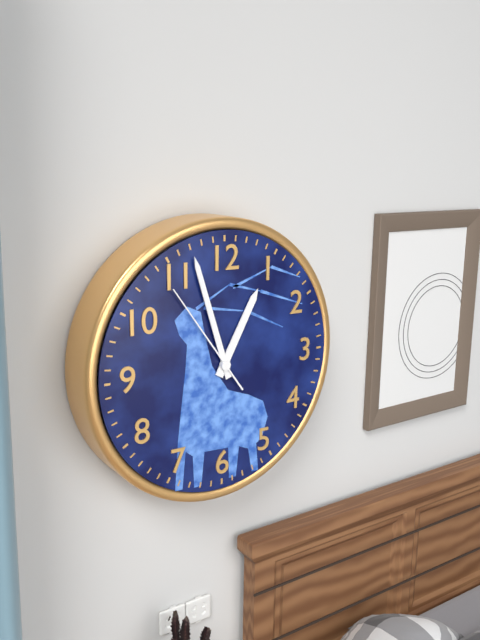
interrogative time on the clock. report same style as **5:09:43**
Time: **12:57:54**
